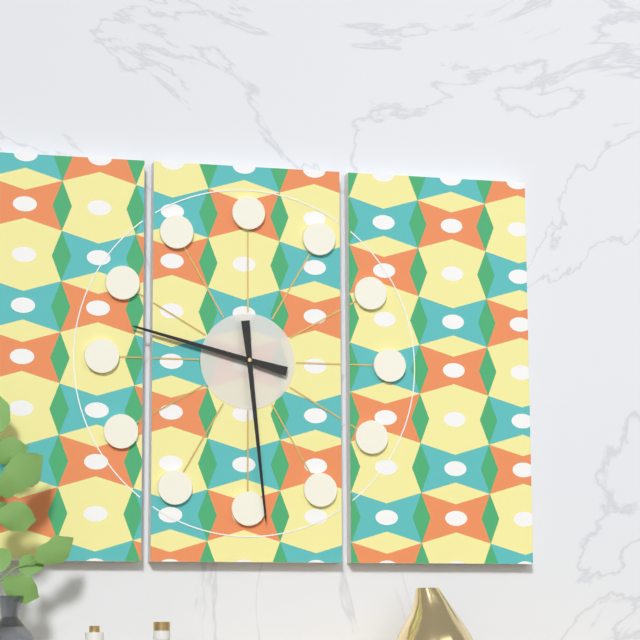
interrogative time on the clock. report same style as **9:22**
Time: **9:29**
